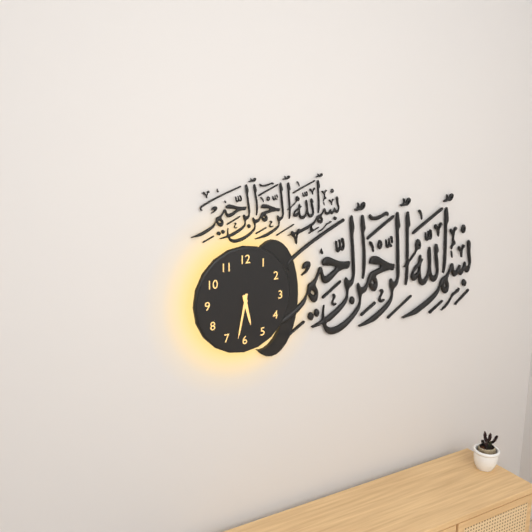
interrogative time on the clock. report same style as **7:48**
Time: **5:32**
